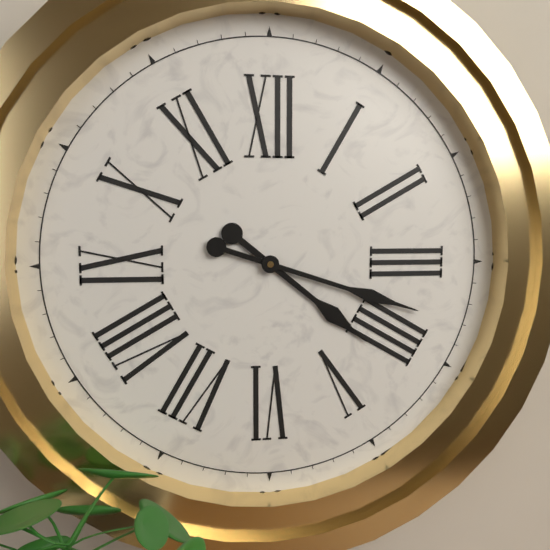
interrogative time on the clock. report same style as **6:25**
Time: **4:18**
